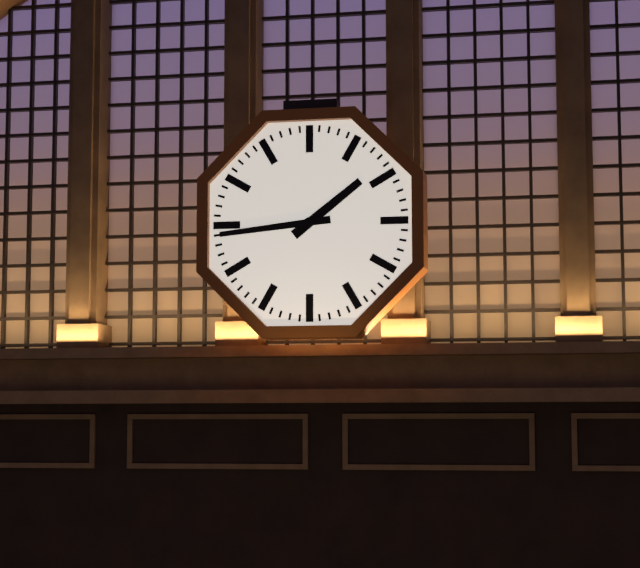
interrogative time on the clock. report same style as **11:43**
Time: **1:44**
